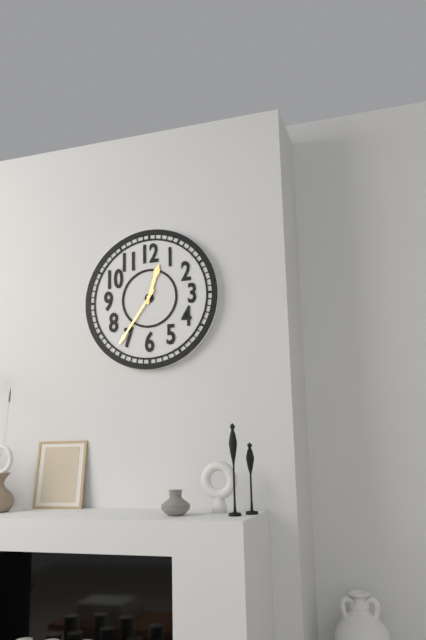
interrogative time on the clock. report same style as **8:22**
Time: **12:36**
